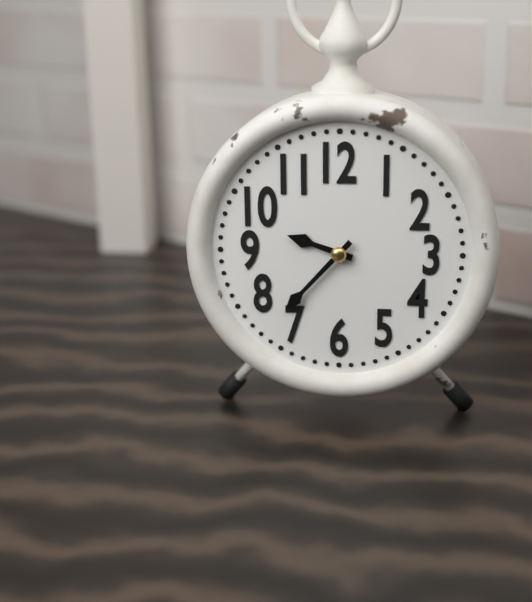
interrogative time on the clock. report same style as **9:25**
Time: **9:37**
